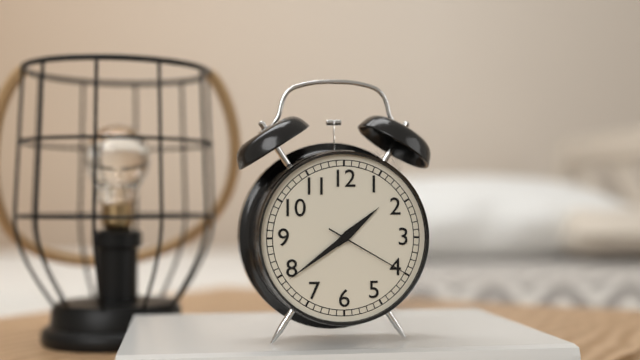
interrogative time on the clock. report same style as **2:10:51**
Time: **1:39:20**
